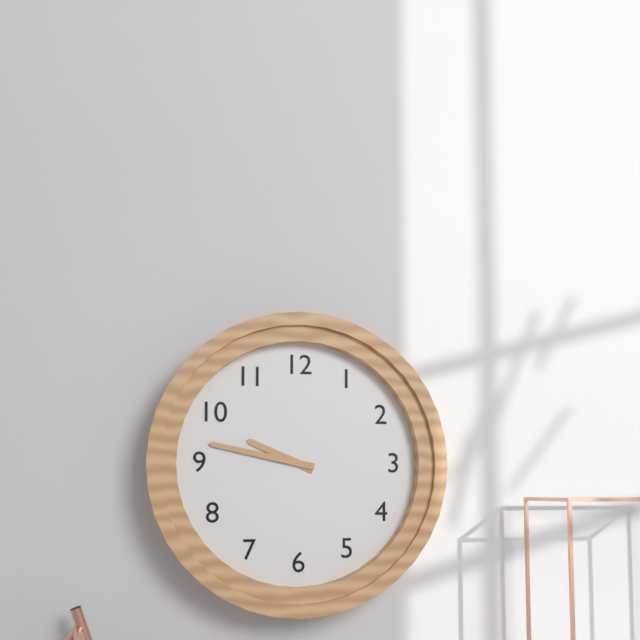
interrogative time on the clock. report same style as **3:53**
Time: **9:47**
